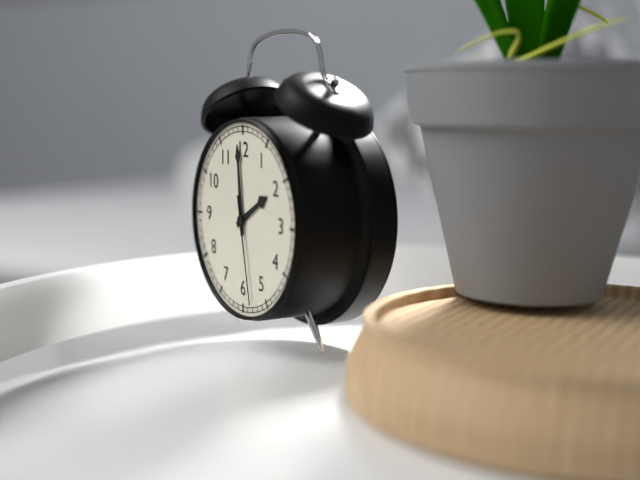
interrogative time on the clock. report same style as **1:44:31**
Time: **1:59:28**
